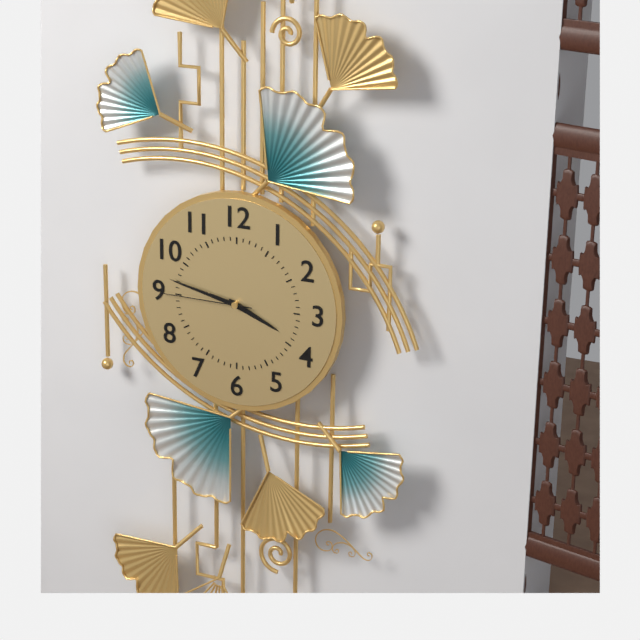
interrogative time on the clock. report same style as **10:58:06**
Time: **3:47:45**
